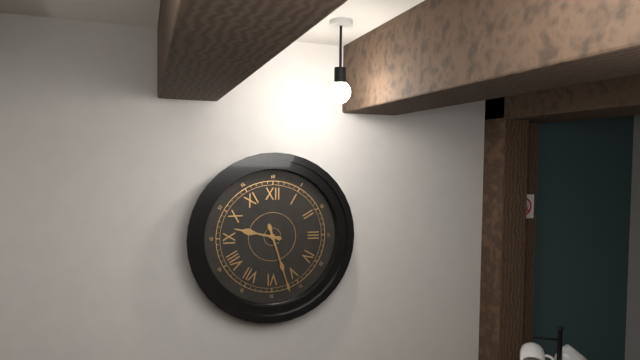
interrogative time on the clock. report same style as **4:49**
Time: **9:27**
